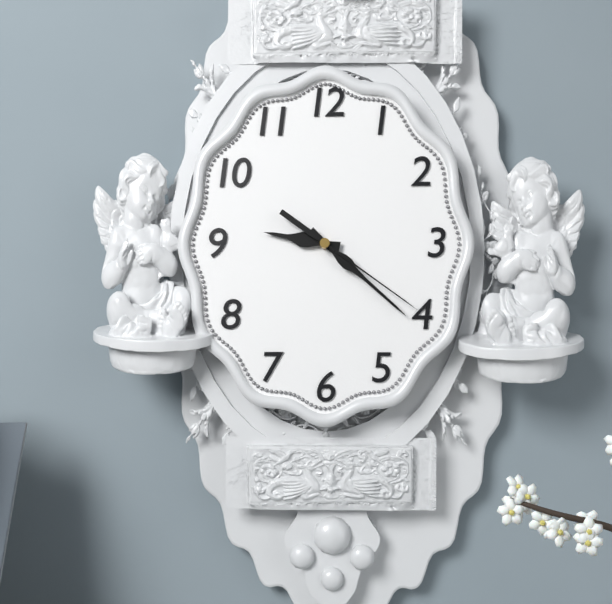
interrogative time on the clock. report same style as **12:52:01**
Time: **9:22:21**
